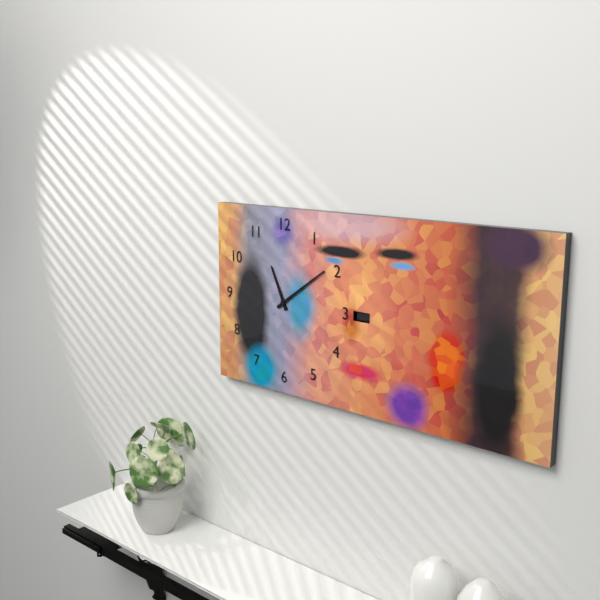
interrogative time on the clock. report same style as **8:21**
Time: **11:09**
